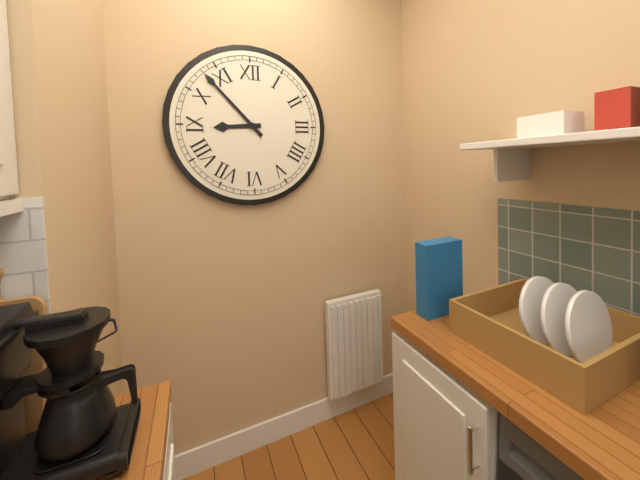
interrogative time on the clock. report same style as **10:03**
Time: **8:53**
